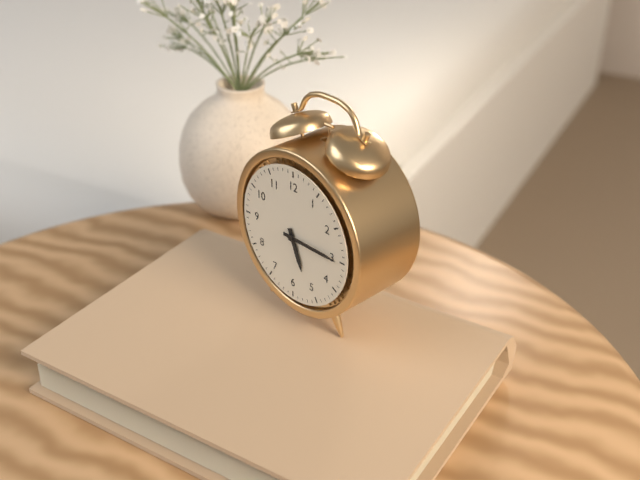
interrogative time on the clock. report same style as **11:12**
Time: **5:15**
